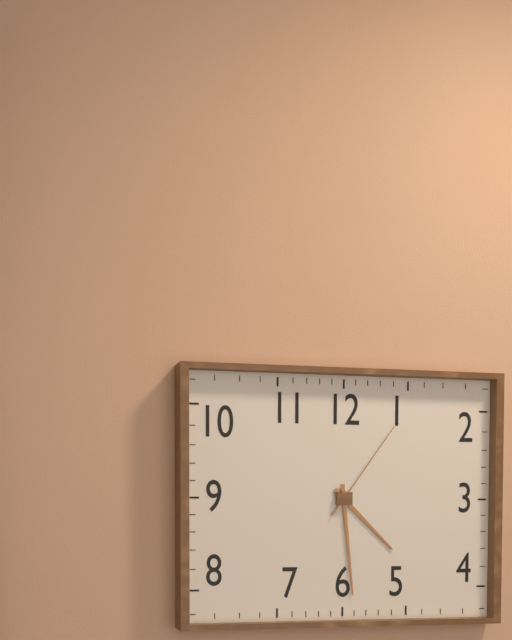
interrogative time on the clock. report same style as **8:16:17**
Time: **4:29:06**
